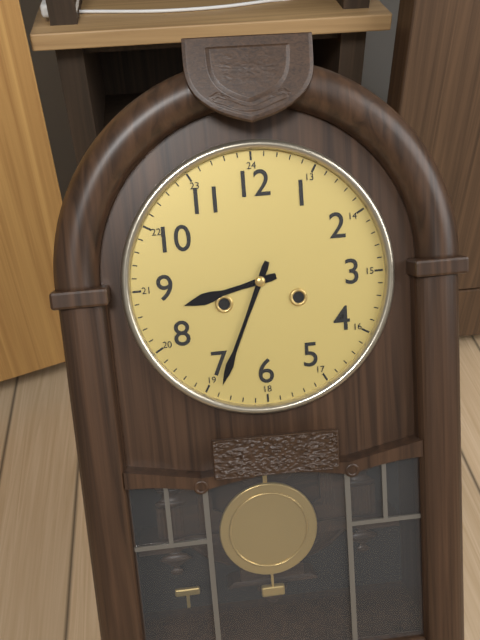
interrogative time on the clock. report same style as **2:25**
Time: **8:34**
